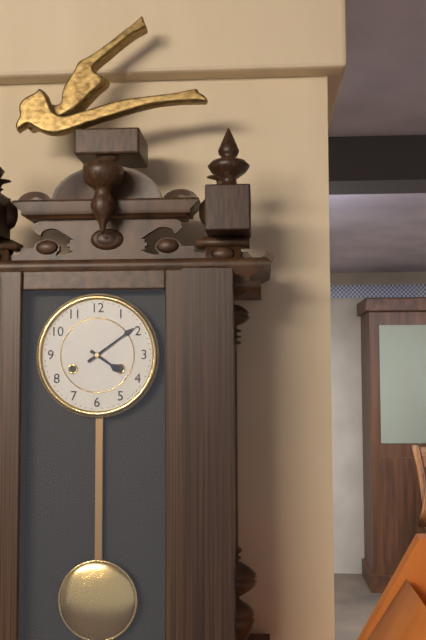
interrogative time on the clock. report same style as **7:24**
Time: **4:09**
